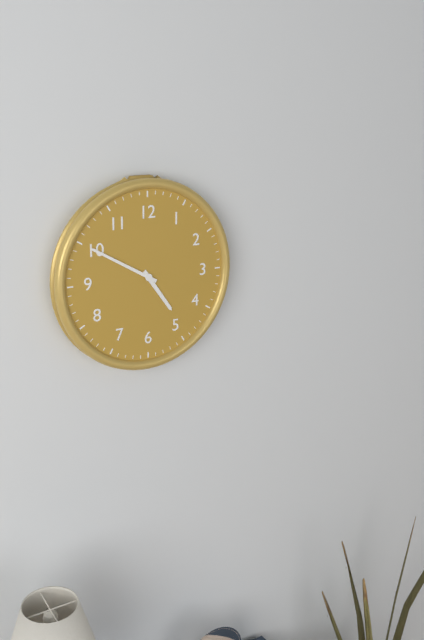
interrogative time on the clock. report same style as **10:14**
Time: **4:50**
